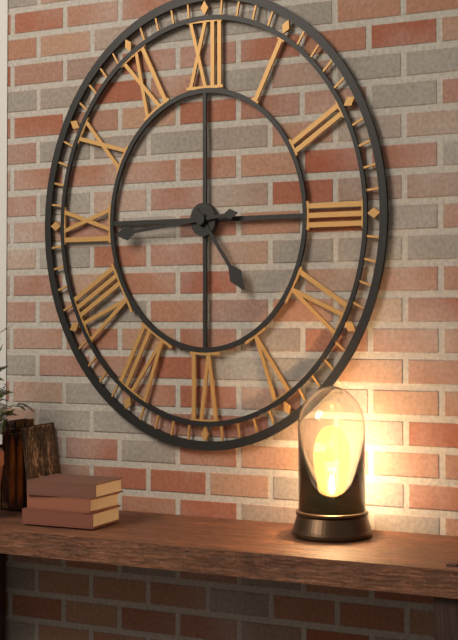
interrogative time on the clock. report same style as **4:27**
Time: **4:44**
